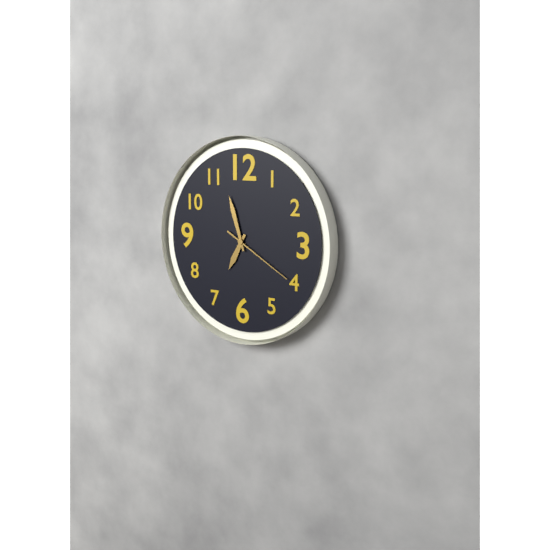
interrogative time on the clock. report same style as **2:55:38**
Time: **6:57:20**
